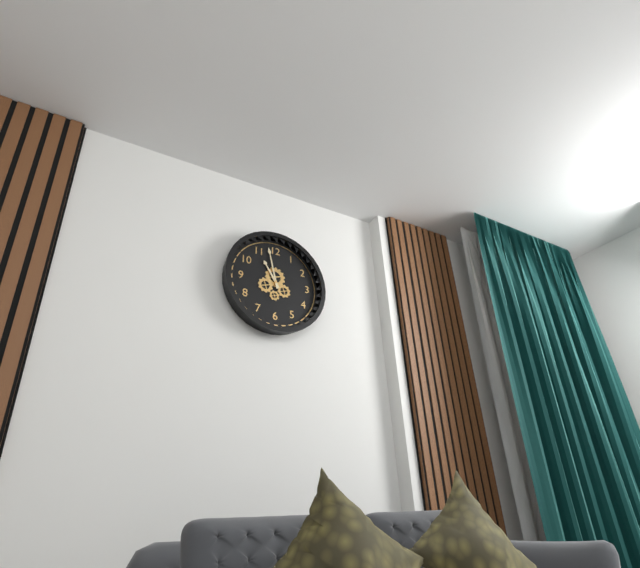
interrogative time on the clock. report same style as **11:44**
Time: **10:58**
